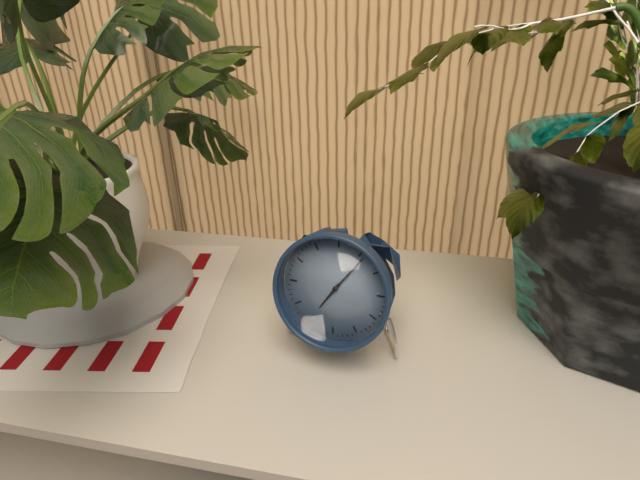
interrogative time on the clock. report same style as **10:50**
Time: **7:06**
